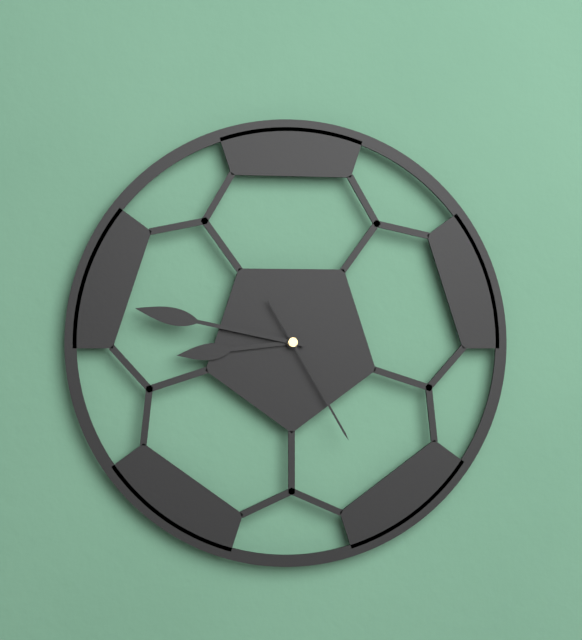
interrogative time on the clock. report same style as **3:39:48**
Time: **8:47:25**
